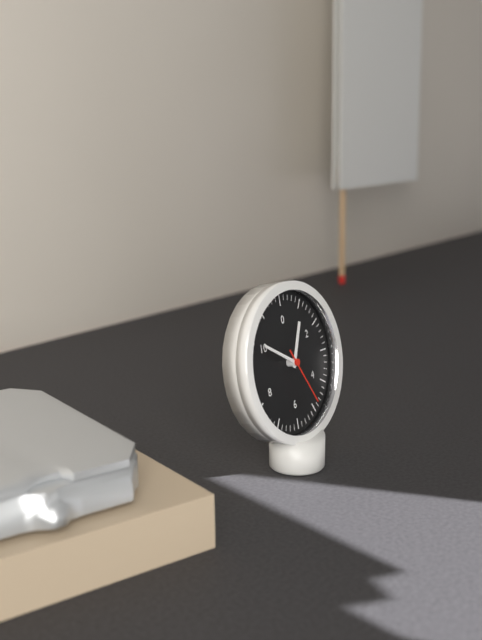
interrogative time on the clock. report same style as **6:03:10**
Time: **12:50:25**
